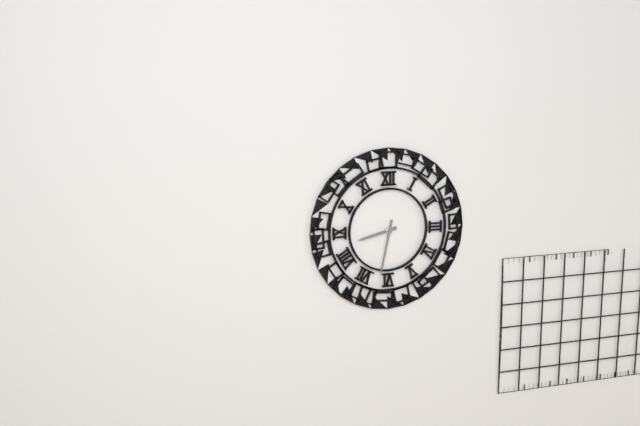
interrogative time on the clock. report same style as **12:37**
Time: **8:32**
